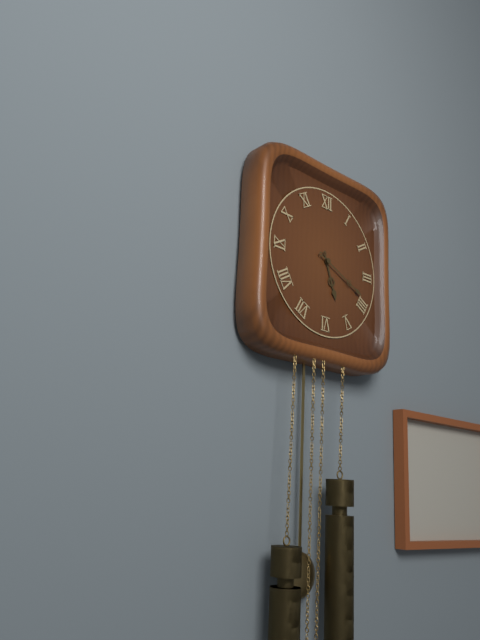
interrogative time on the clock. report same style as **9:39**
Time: **5:19**
